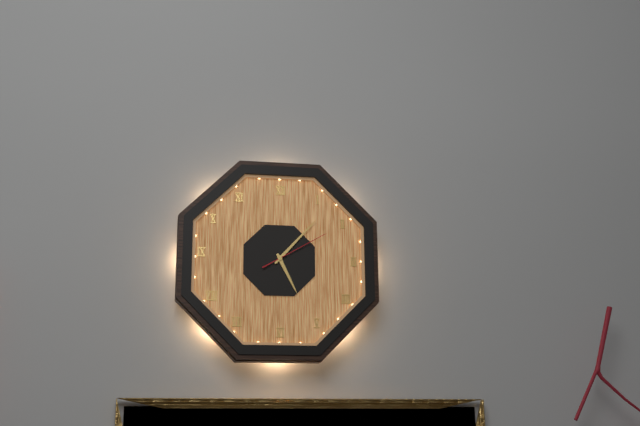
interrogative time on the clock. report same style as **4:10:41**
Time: **5:07:10**
